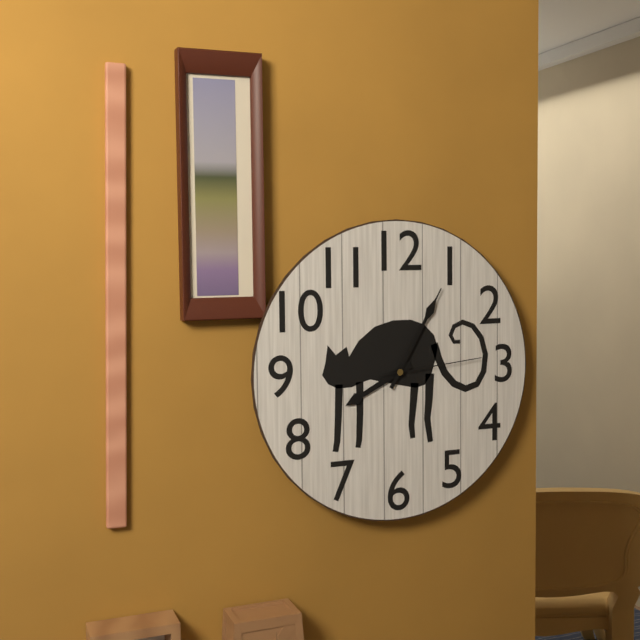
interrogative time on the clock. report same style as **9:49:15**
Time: **8:05:14**
